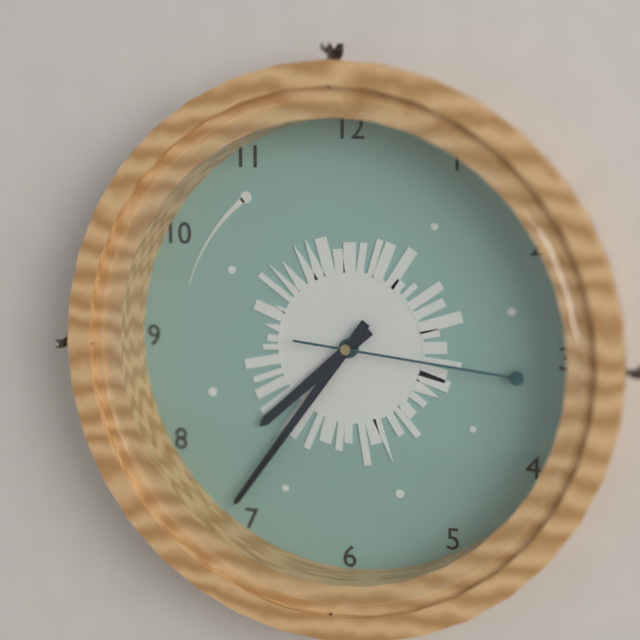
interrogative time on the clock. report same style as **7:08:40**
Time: **7:36:16**
